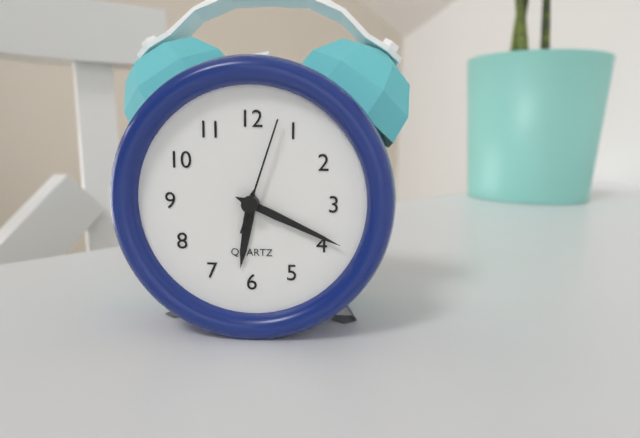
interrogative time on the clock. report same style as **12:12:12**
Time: **6:19:03**
